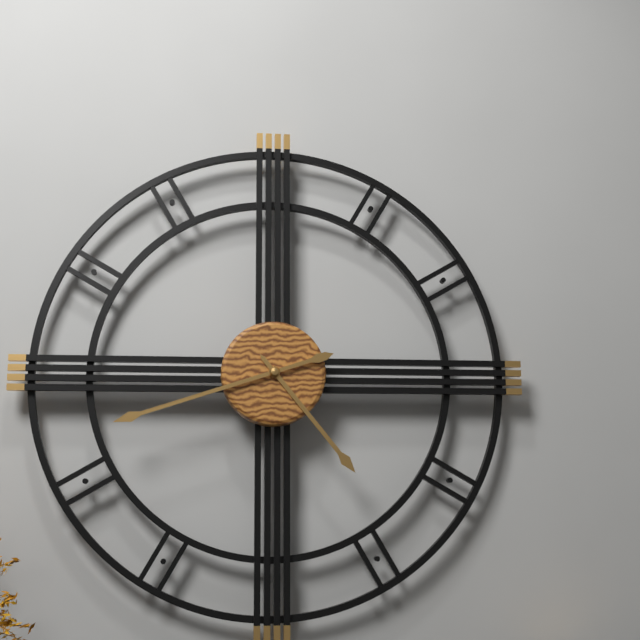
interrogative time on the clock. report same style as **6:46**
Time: **4:42**
